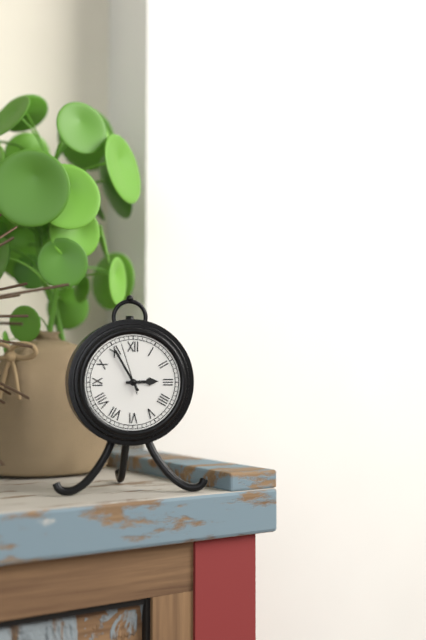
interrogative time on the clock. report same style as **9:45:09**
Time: **2:55:57**
